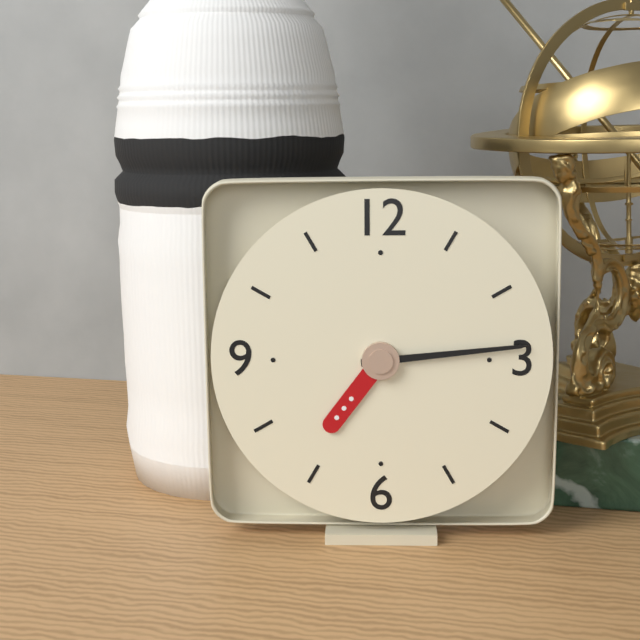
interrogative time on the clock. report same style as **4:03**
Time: **7:14**
